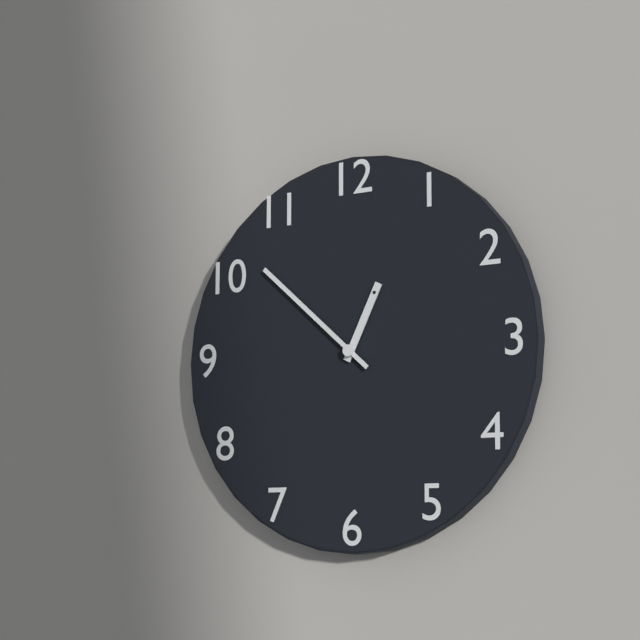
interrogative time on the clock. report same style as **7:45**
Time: **12:52**
